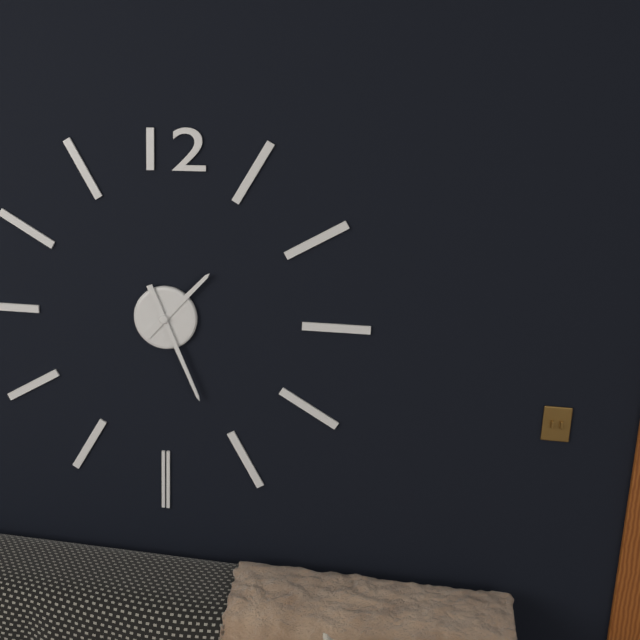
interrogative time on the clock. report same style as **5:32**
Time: **1:26**
